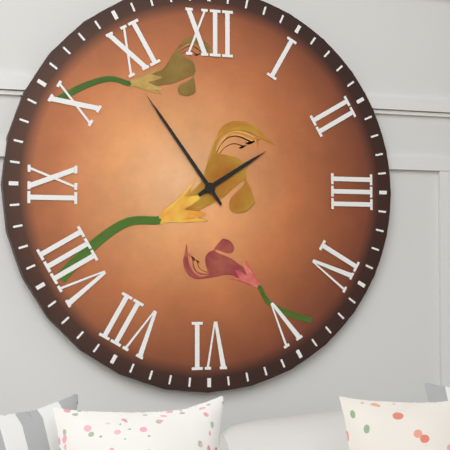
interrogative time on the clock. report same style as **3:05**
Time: **1:54**
